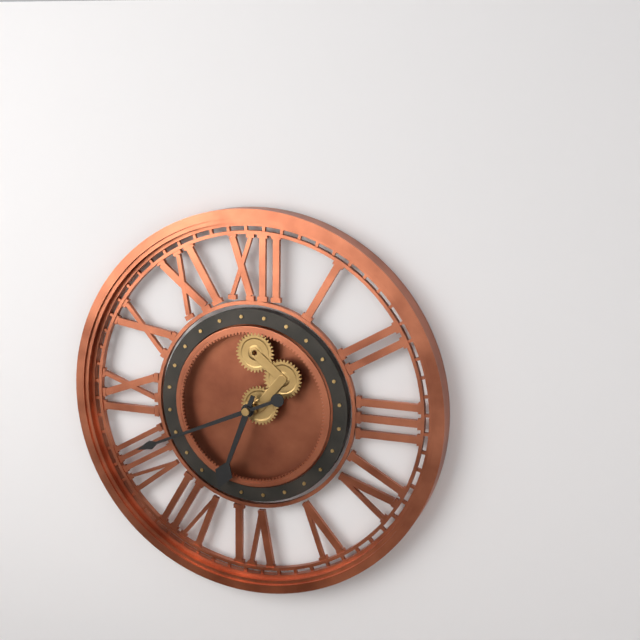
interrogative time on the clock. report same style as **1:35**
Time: **6:41**
